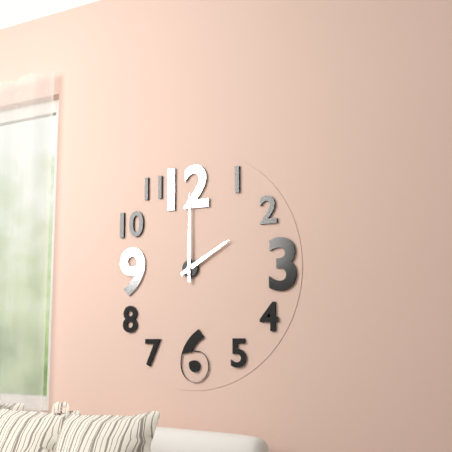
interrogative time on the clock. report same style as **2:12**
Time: **2:00**
